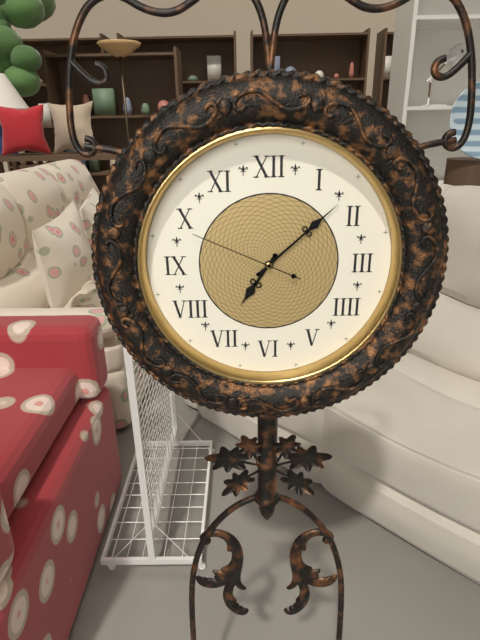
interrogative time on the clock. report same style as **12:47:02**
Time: **7:08:49**
